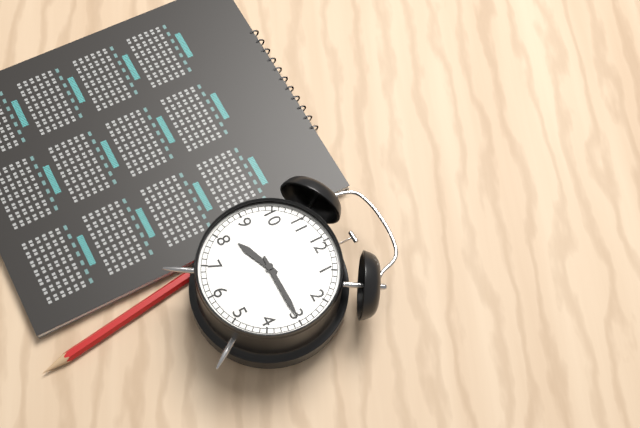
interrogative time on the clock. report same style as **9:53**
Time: **8:15**
